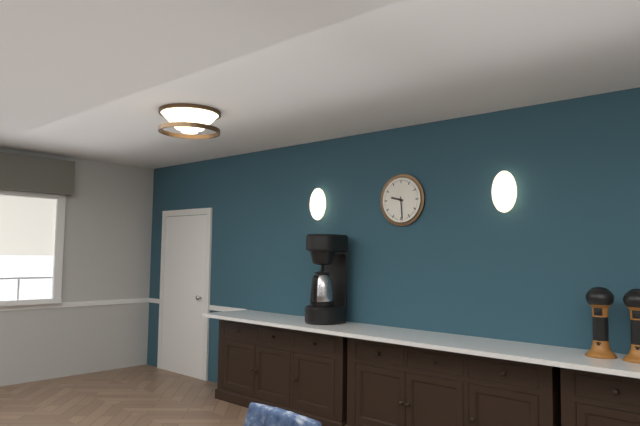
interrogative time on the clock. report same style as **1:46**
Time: **9:29**
